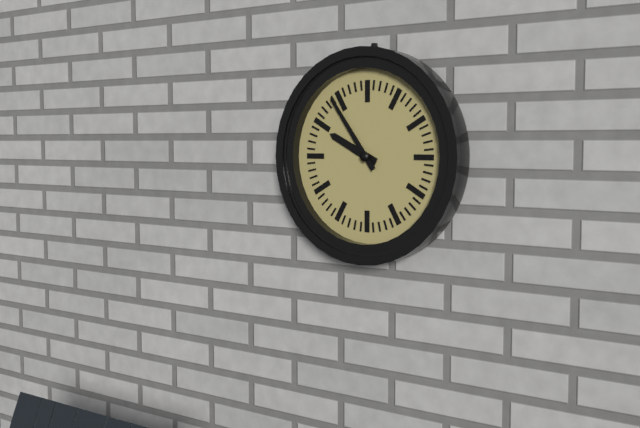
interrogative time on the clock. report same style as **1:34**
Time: **9:54**
